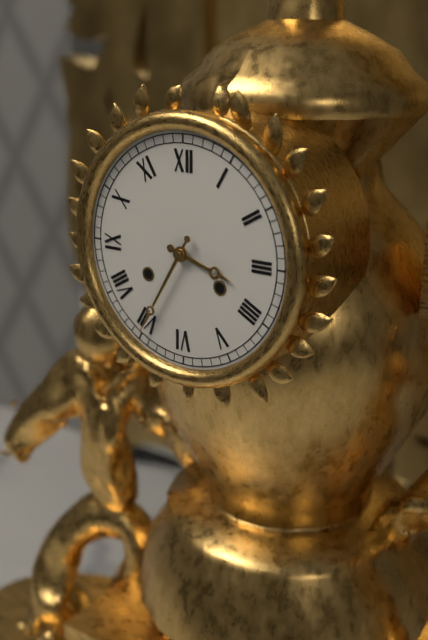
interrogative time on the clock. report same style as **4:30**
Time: **3:35**
